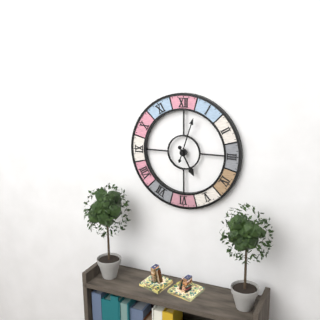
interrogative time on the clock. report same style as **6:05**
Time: **5:03**
